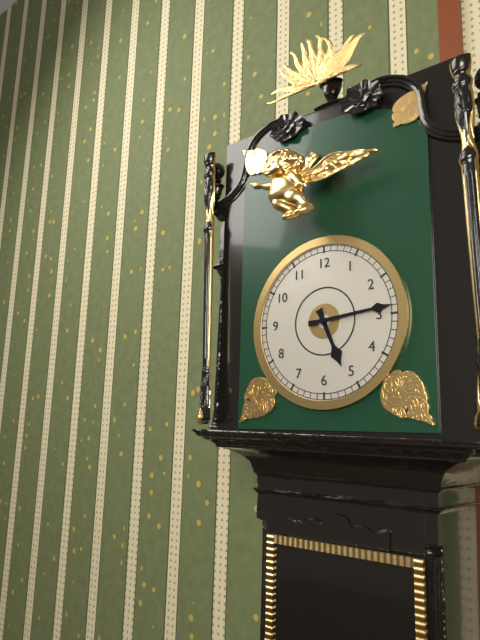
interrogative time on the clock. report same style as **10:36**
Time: **5:14**
